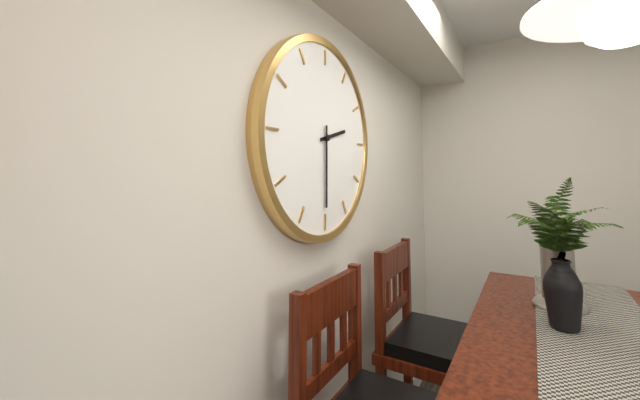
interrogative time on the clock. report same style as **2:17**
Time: **2:30**
